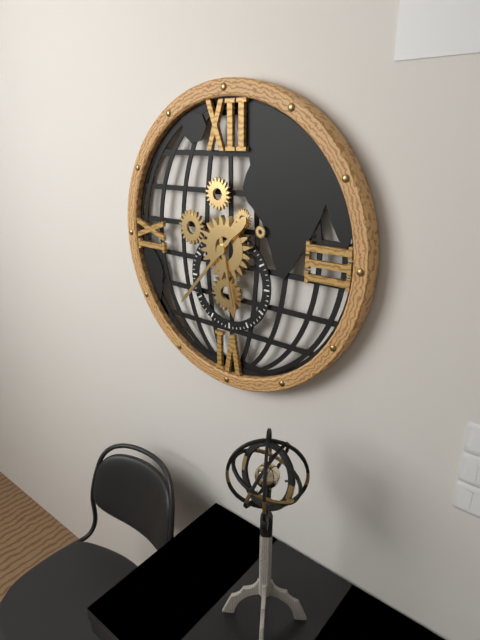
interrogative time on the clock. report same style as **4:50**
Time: **5:37**
